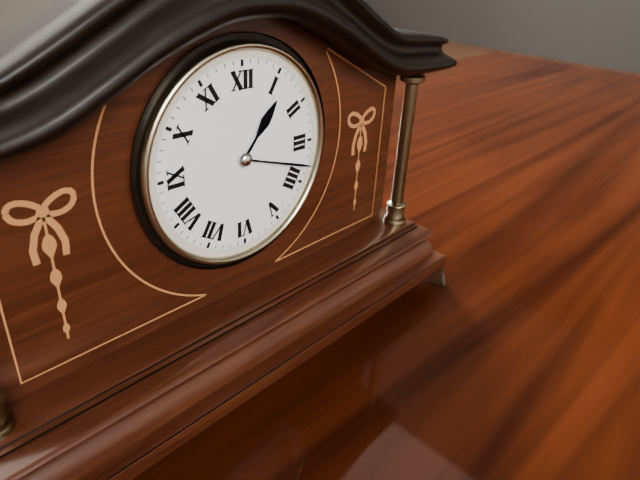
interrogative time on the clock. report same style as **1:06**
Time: **1:18**
